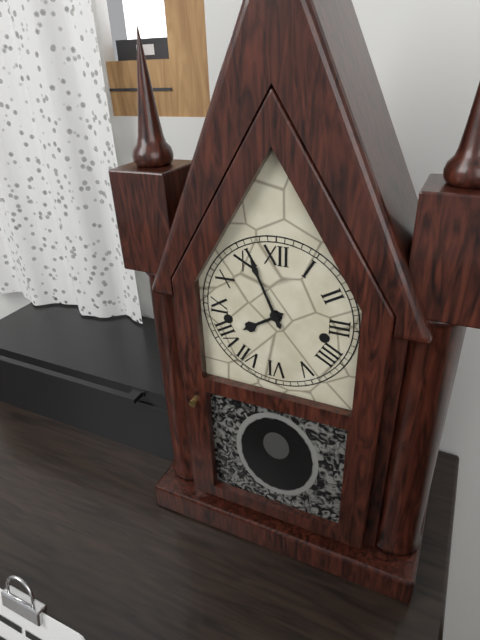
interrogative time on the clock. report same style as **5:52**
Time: **7:56**
